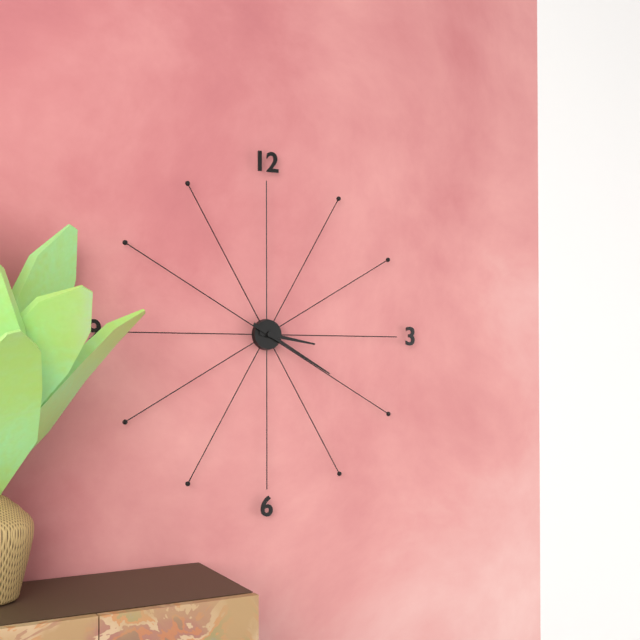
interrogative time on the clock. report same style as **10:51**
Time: **3:20**
